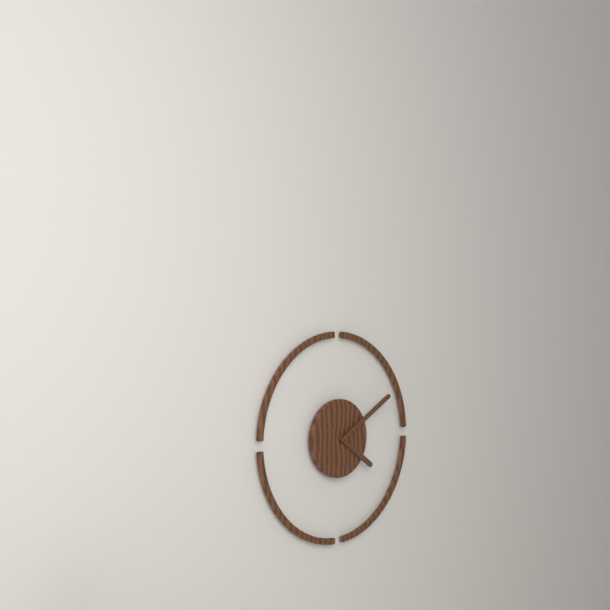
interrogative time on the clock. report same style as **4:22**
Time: **4:10**
